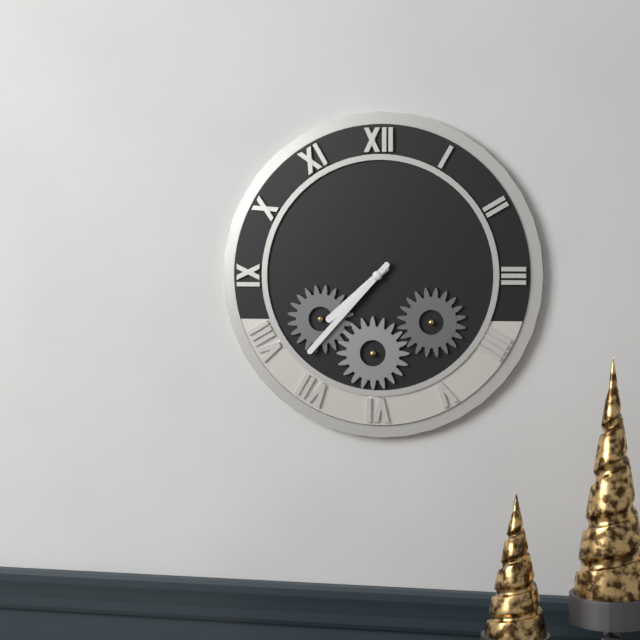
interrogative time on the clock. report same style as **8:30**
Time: **7:37**
